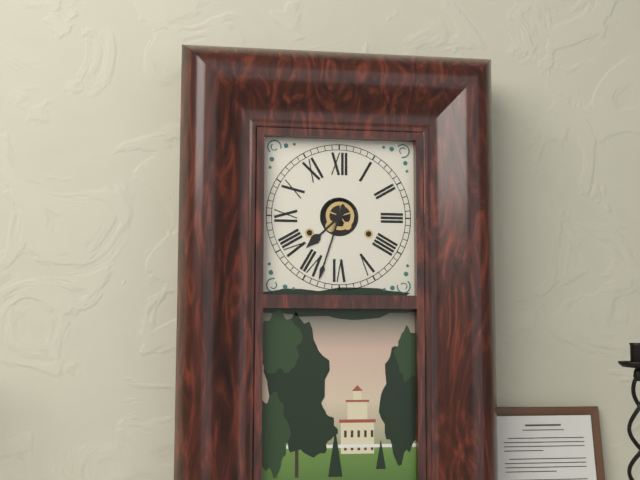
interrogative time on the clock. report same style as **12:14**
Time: **7:33**
